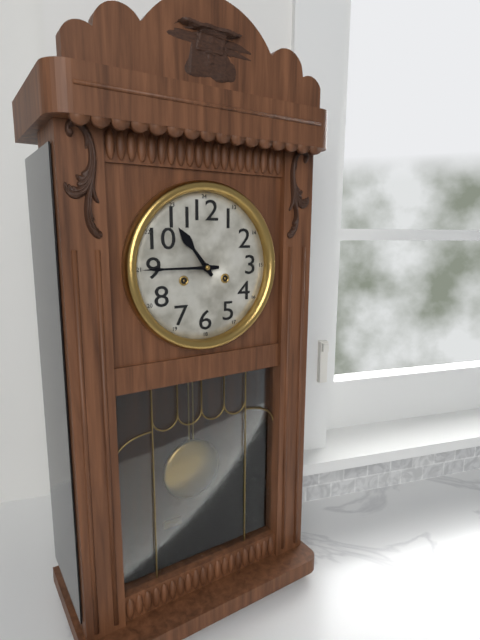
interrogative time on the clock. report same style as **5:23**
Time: **10:45**
